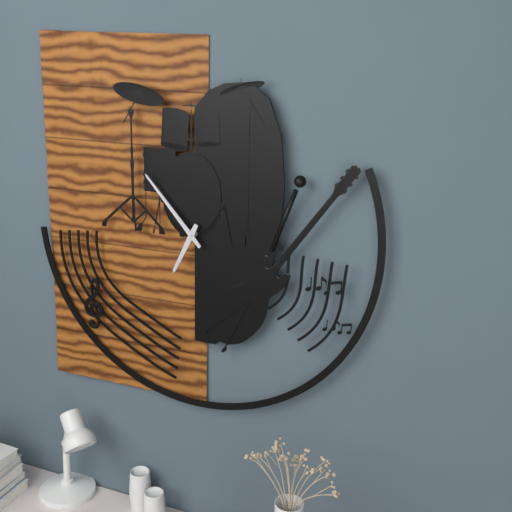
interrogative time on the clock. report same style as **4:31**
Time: **6:53**
